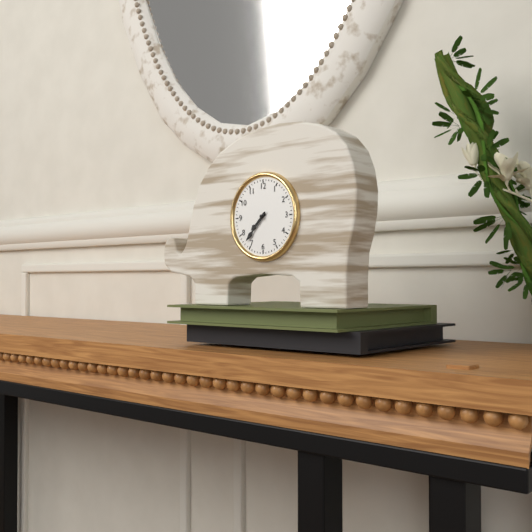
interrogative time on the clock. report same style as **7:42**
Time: **7:37**
